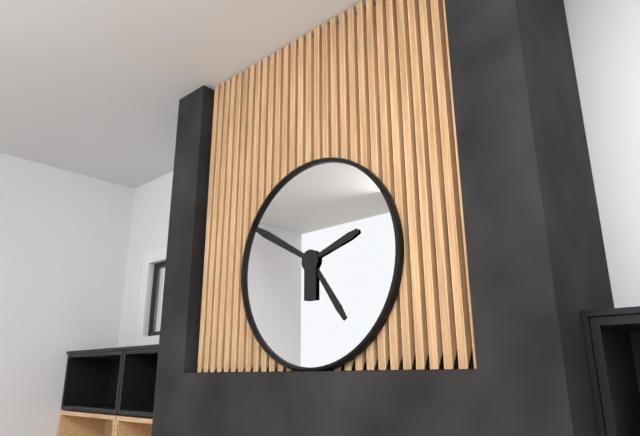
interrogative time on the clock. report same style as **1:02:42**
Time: **4:50:12**
